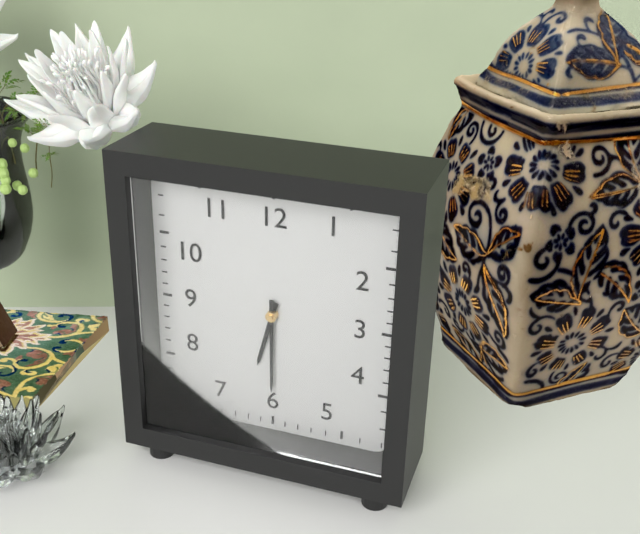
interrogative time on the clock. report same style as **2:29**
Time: **6:30**
